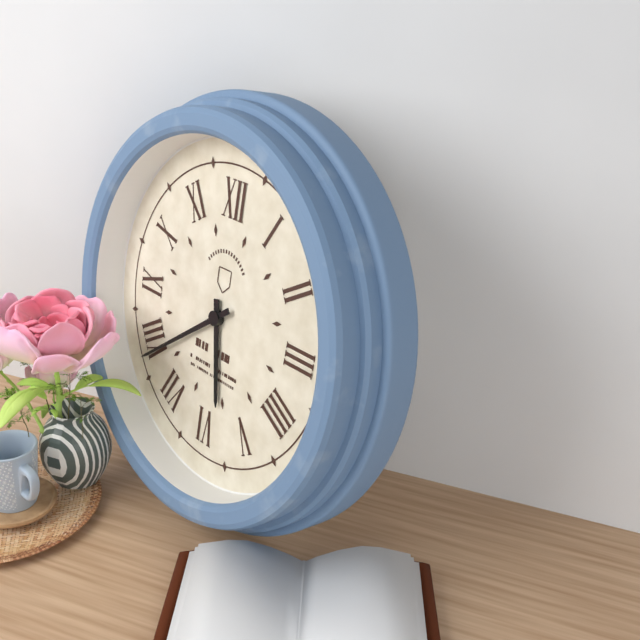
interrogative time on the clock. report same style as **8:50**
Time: **5:39**
